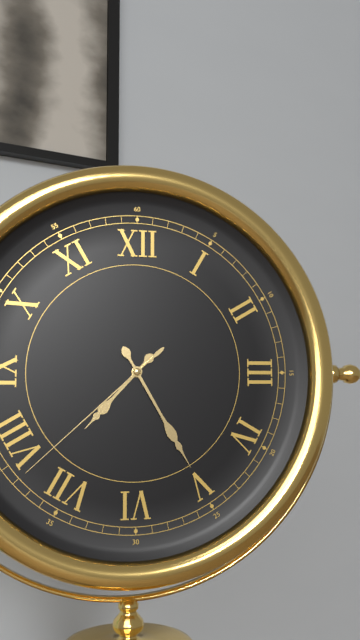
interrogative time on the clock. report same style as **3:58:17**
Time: **7:25:38**
